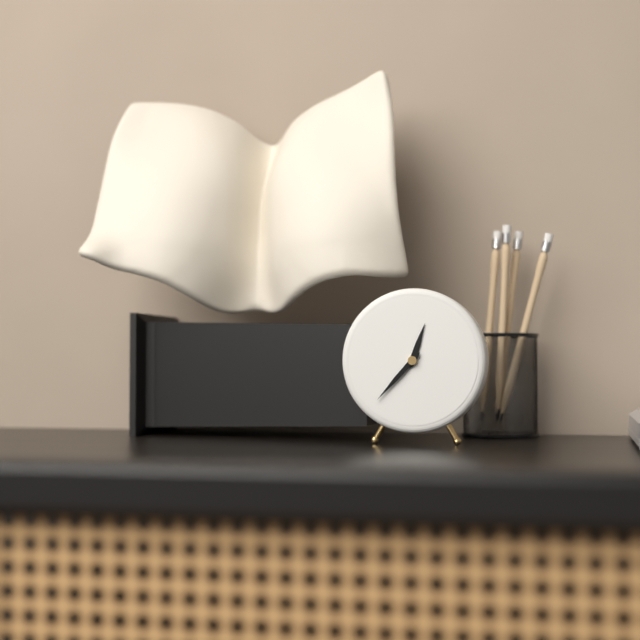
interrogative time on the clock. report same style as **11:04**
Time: **12:37**
